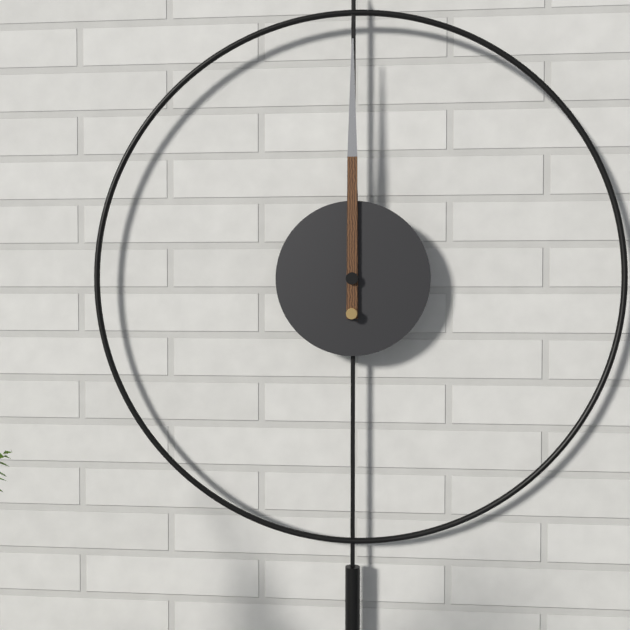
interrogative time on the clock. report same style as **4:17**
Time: **12:00**
